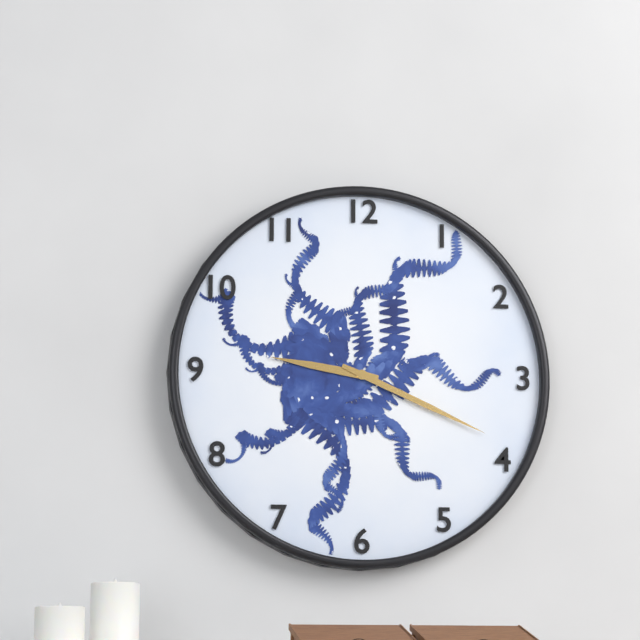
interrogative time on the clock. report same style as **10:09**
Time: **9:19**
